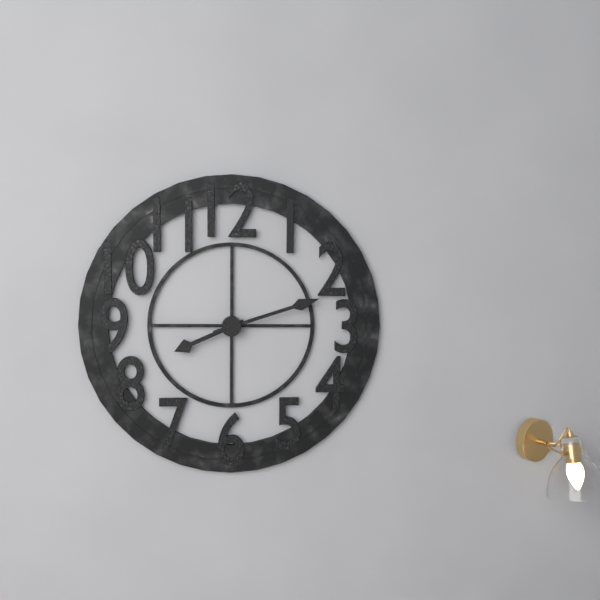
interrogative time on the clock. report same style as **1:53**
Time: **8:12**
